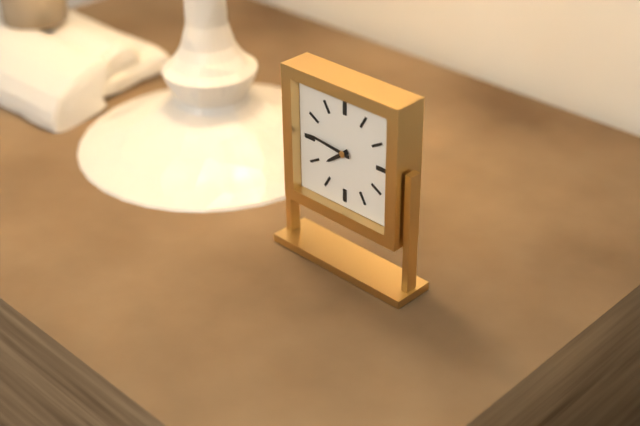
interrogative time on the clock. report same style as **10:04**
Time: **7:46**
